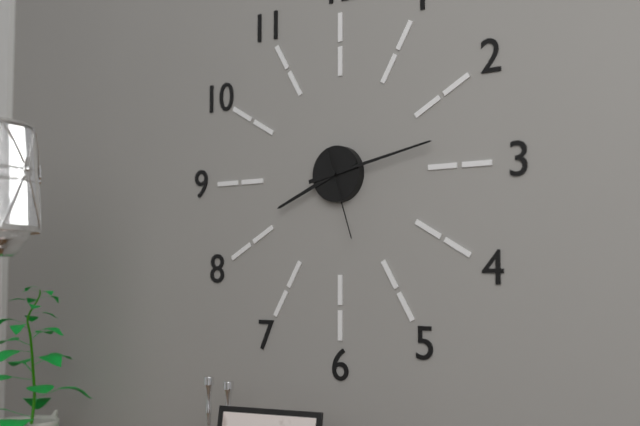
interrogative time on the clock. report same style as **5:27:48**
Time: **8:13:27**
